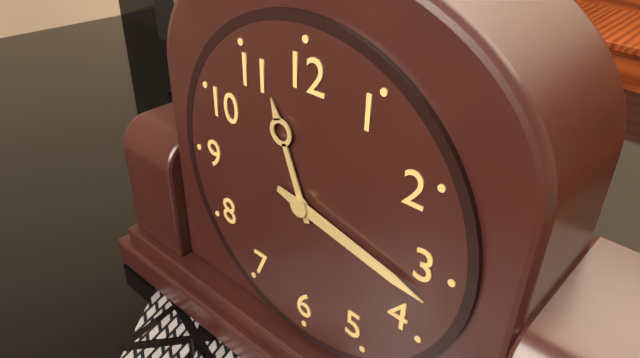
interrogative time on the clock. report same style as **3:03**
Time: **11:17**
